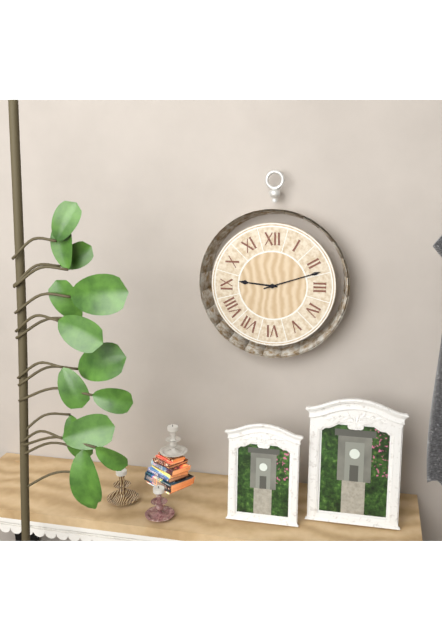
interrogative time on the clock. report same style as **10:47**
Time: **9:12**
